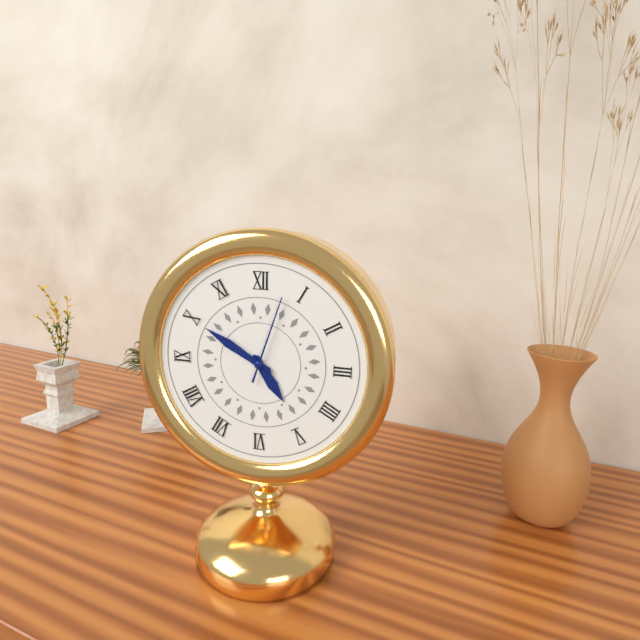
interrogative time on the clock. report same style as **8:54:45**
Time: **4:50:03**
